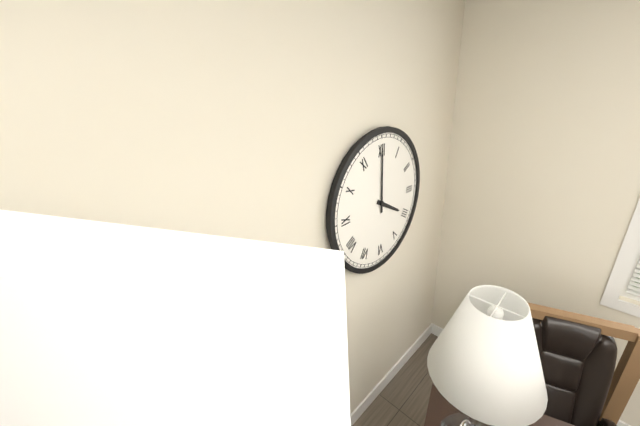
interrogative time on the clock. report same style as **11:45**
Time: **4:00**
